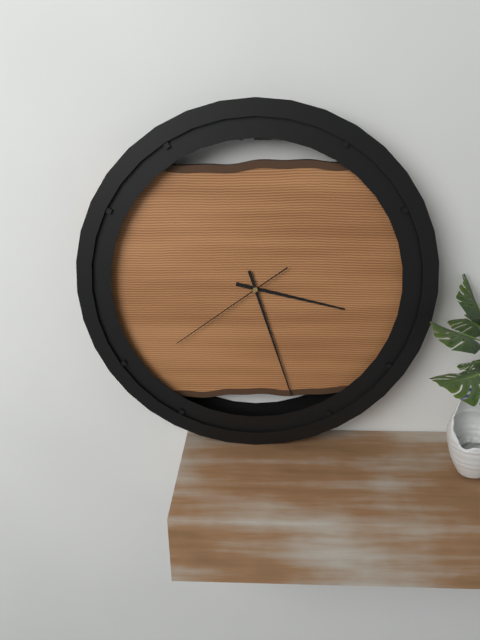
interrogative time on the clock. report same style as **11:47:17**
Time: **3:27:39**
